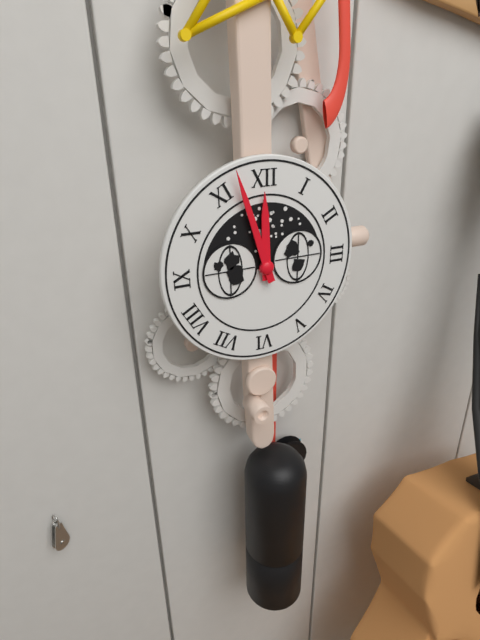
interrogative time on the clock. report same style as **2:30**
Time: **11:57**
